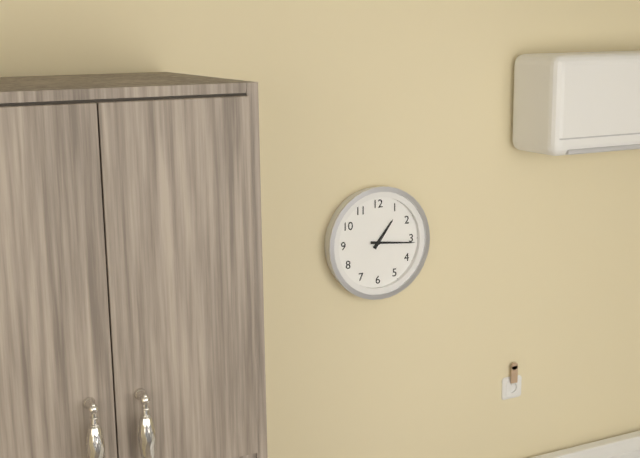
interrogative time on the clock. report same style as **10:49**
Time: **1:16**
